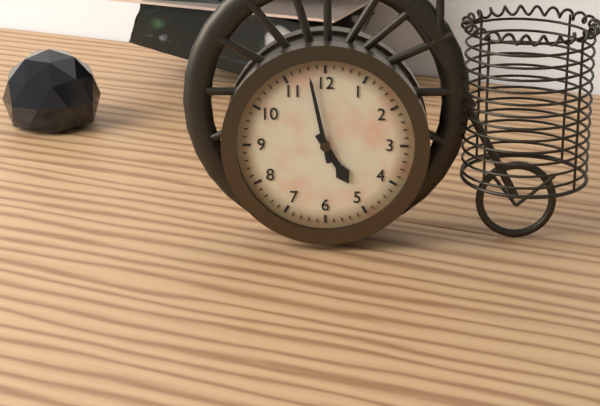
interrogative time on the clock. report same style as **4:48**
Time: **4:58**
